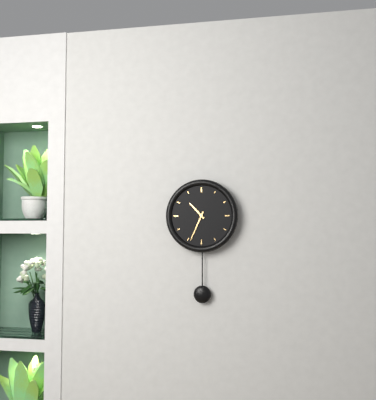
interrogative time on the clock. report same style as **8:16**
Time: **10:34**
